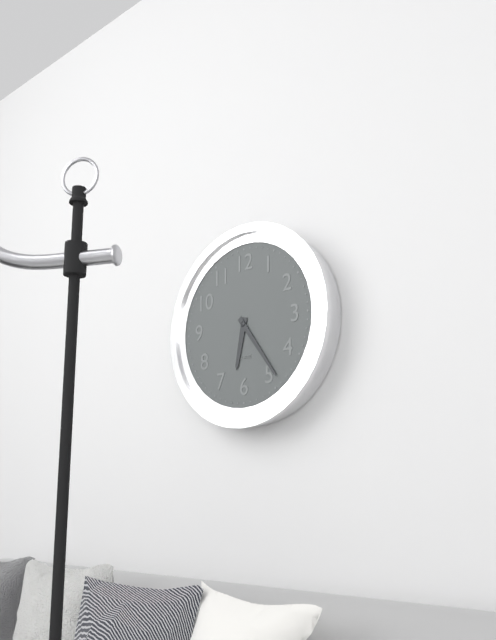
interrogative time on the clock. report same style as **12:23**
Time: **6:24**
